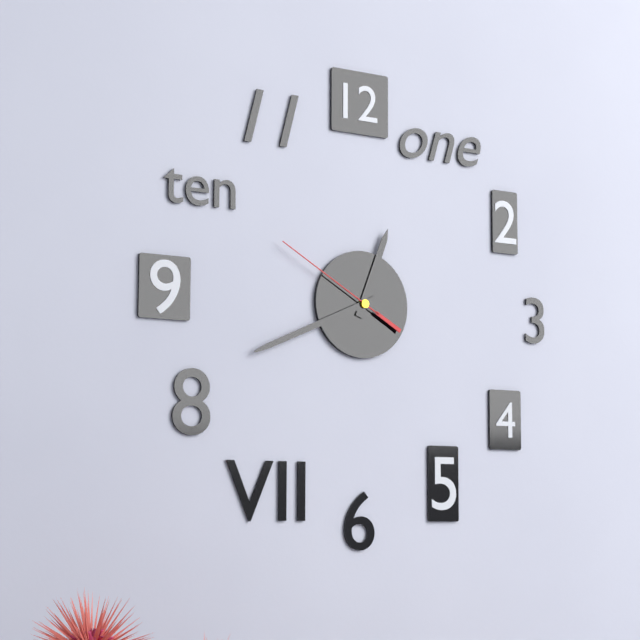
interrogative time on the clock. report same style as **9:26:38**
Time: **12:41:50**
